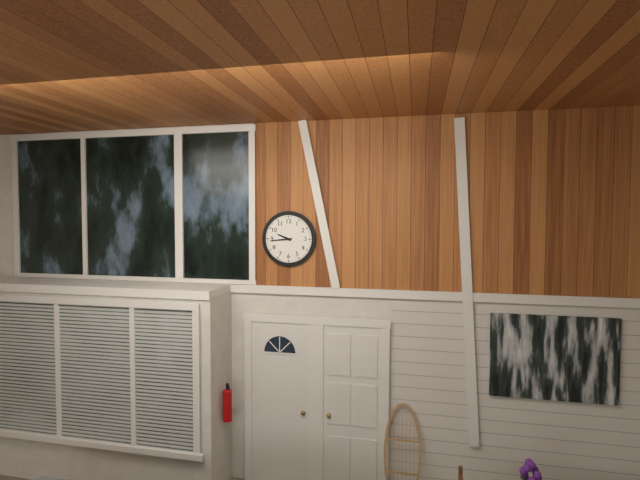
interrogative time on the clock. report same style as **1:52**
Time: **9:44**
